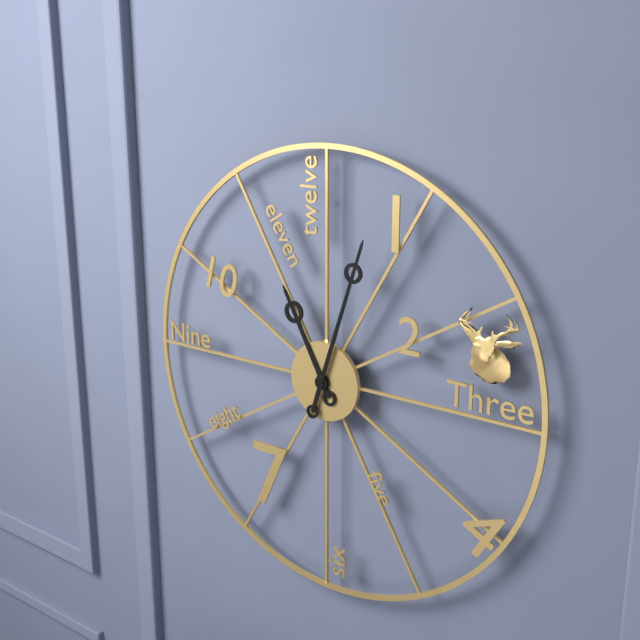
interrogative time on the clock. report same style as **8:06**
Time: **11:03**
